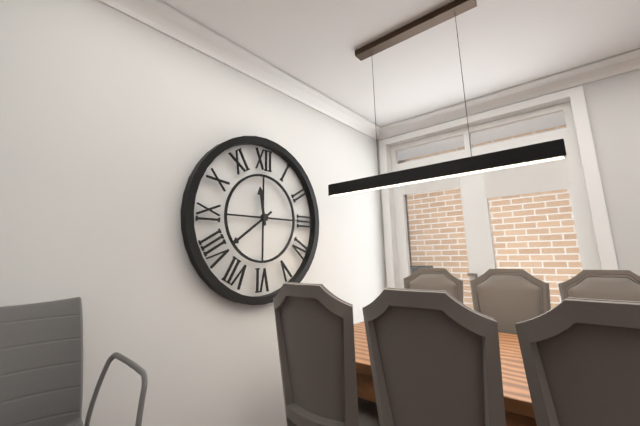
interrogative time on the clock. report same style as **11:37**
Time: **11:39**
